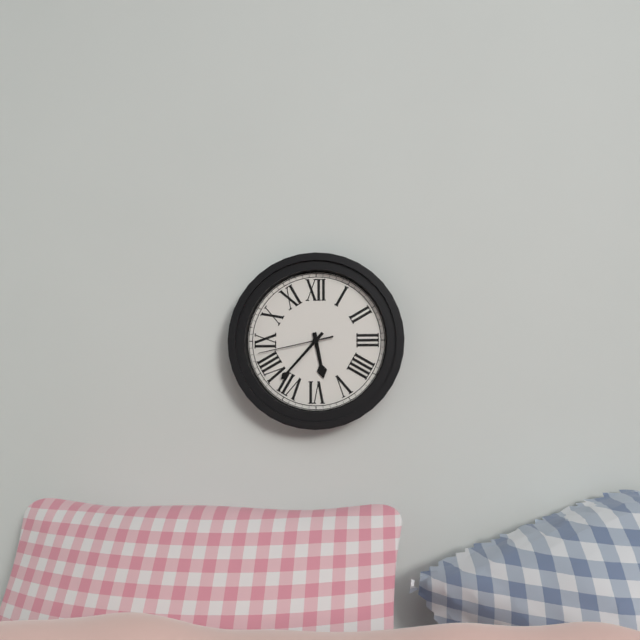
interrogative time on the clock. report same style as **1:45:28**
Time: **5:37:43**
